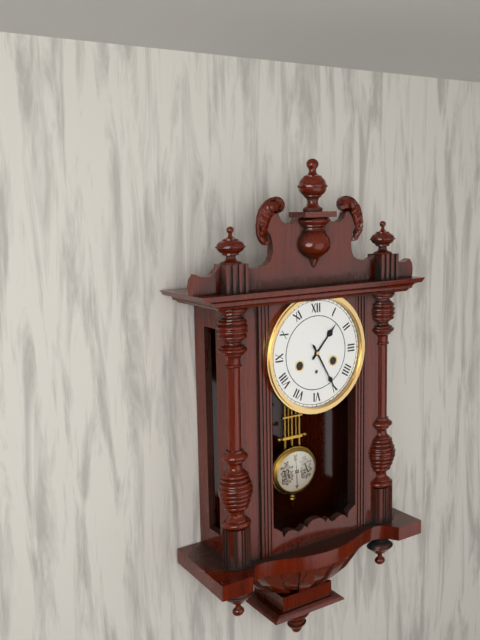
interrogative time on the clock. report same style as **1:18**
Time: **1:25**
